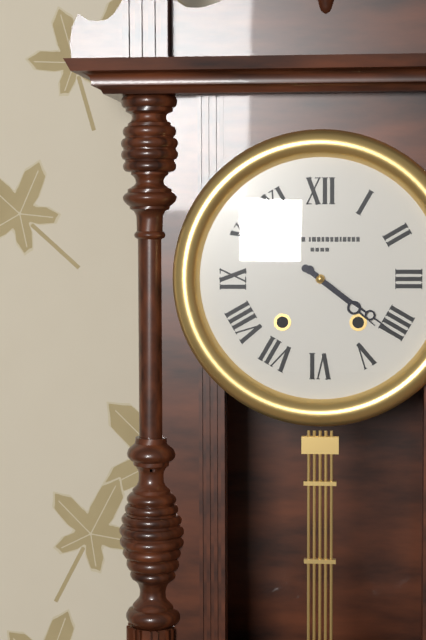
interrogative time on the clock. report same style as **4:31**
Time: **4:21**
